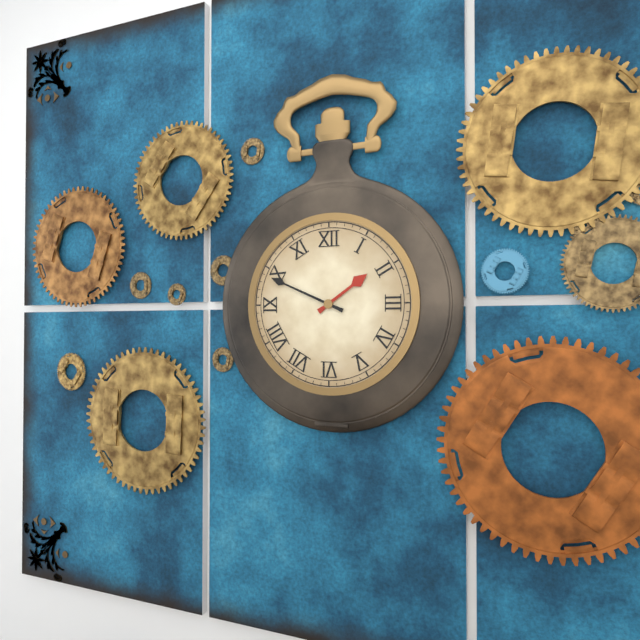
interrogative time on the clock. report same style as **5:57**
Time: **1:49**
